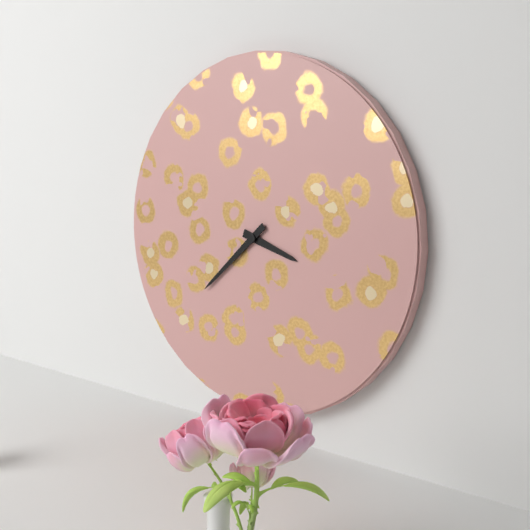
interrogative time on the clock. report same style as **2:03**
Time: **3:38**
